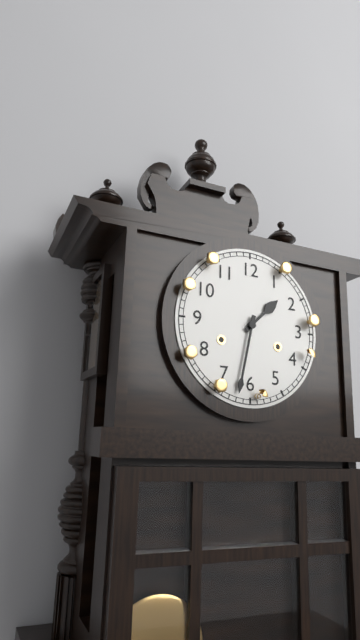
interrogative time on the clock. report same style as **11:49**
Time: **1:32**
